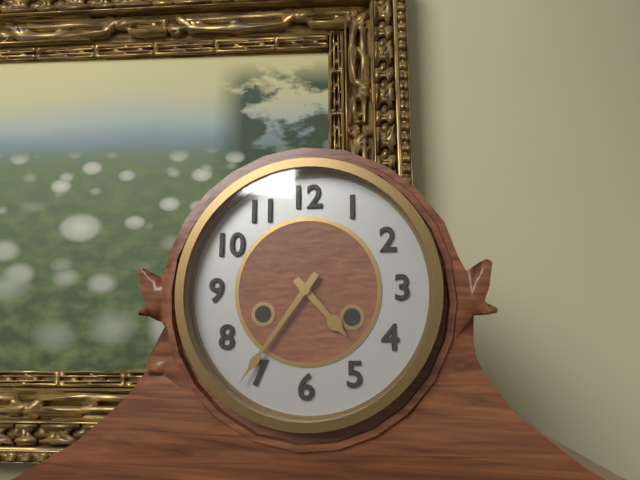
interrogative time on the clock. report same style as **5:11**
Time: **4:36**
